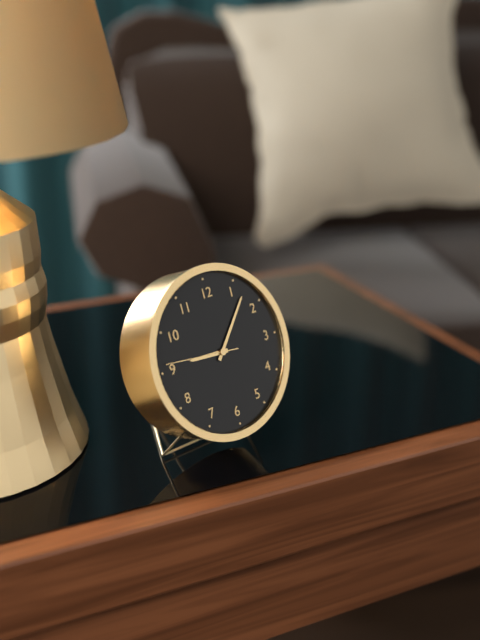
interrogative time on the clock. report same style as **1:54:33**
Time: **9:07:46**
